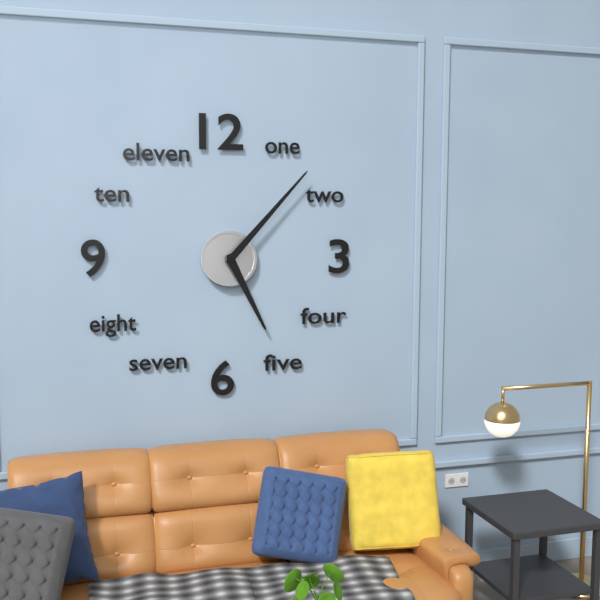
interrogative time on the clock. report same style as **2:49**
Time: **5:07**
